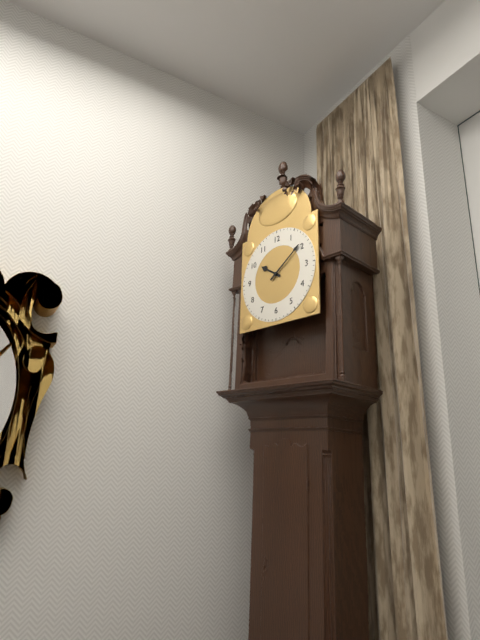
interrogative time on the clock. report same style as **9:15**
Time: **10:09**
